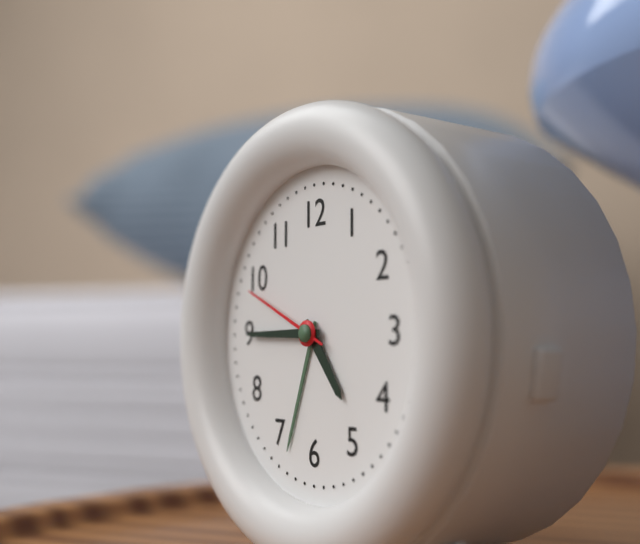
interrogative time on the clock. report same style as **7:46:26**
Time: **4:45:49**
